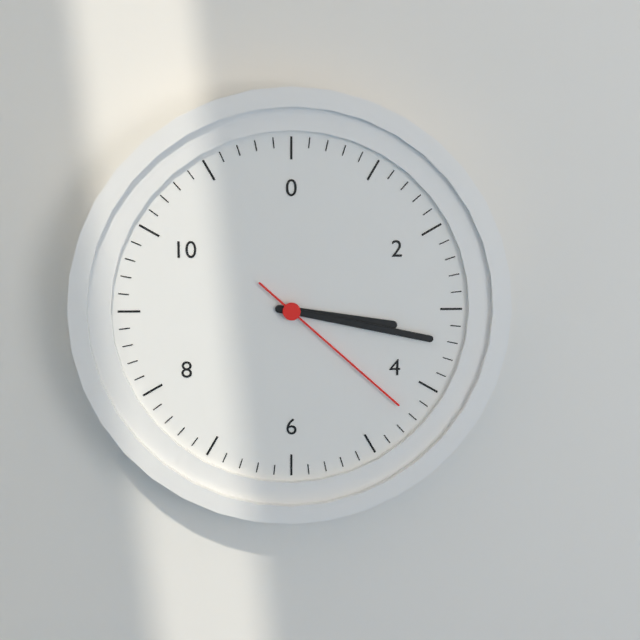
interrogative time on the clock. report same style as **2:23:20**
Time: **3:17:22**
